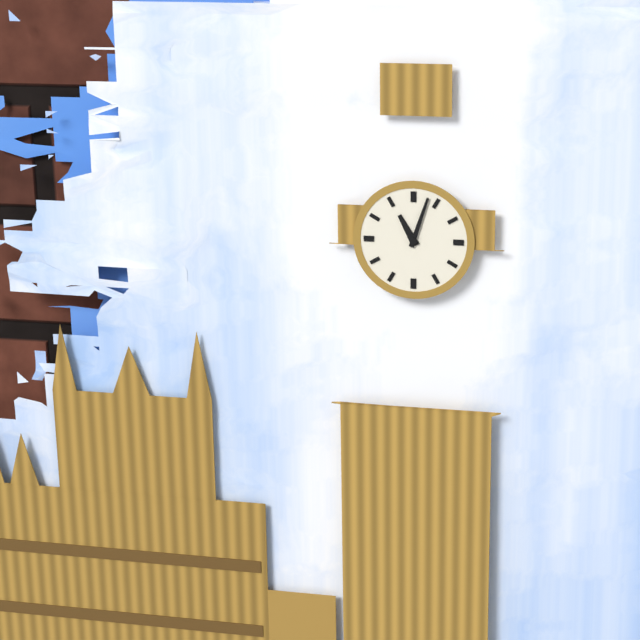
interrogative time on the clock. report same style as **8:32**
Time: **11:03**
